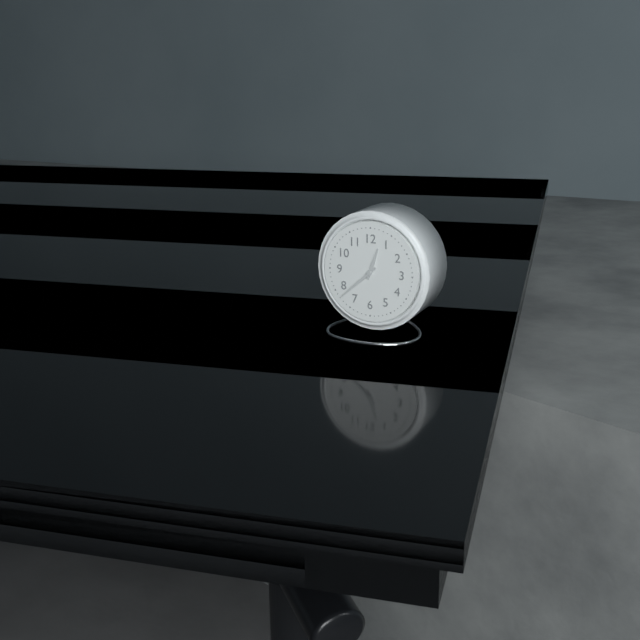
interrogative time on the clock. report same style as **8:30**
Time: **12:38**
